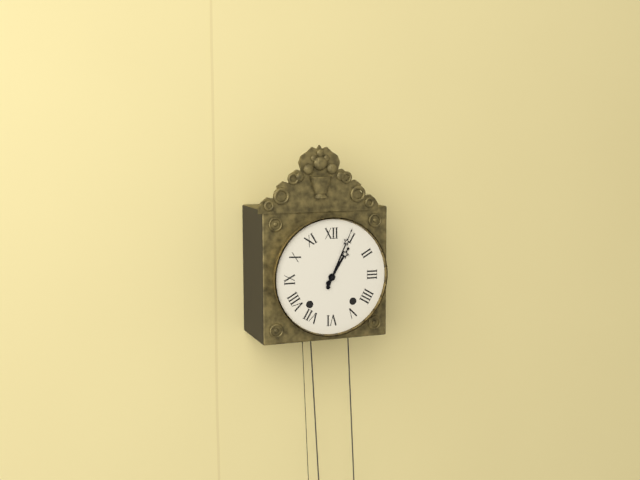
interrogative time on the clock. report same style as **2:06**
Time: **1:04**
